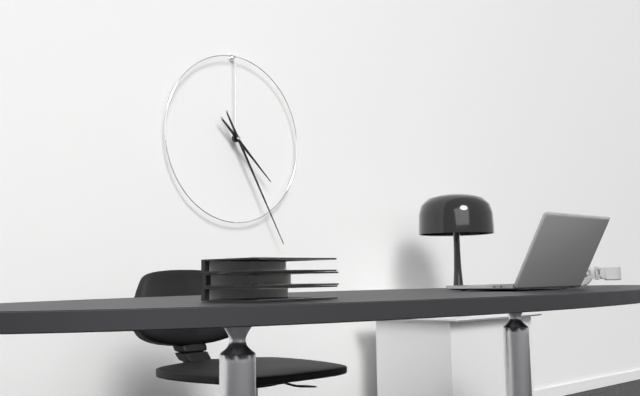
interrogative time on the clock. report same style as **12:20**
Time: **4:25**
